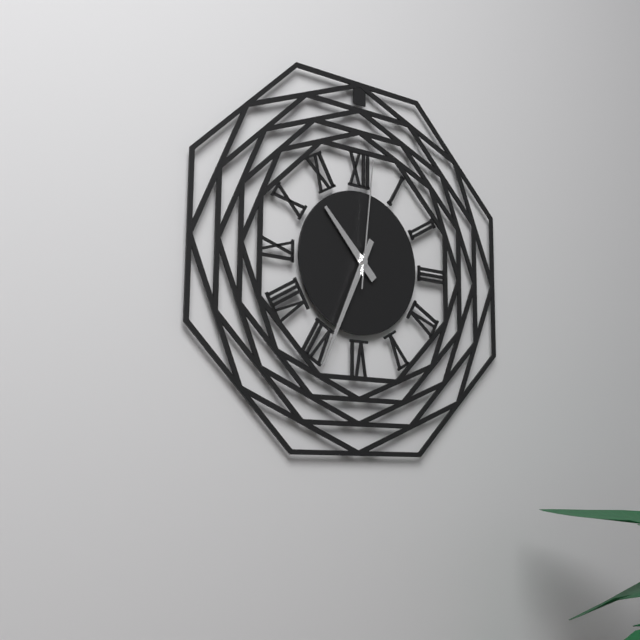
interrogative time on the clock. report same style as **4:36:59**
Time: **10:34:01**
